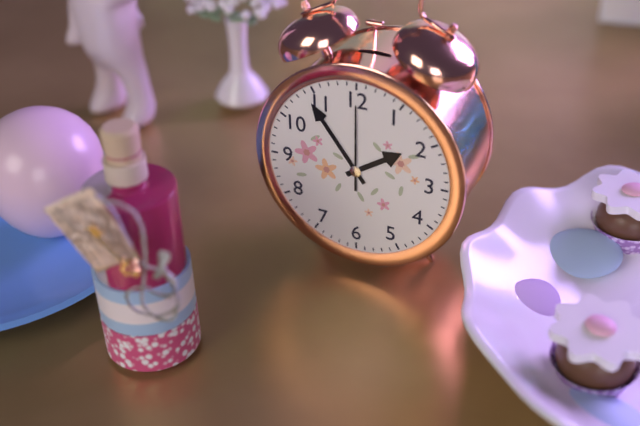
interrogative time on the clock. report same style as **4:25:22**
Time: **1:54:00**
